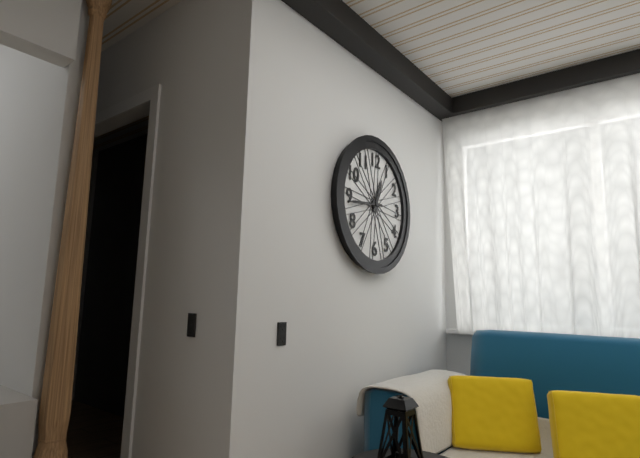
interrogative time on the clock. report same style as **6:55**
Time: **12:44**
